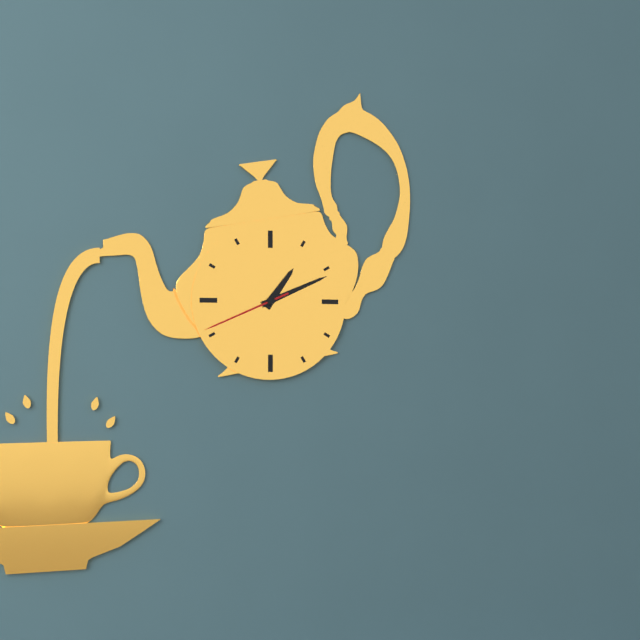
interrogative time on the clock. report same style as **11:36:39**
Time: **1:11:41**
